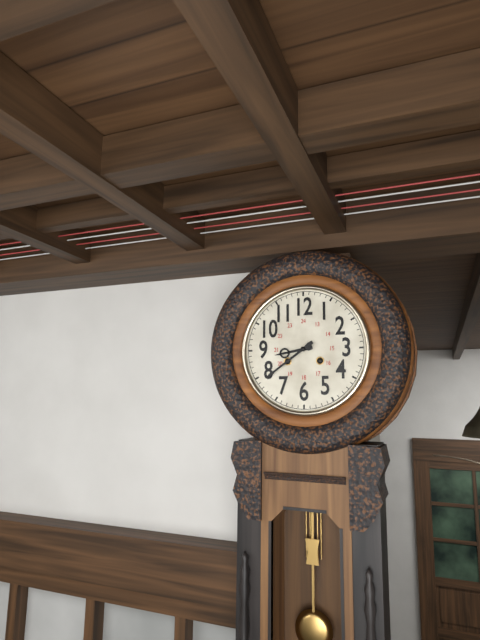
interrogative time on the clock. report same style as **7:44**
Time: **8:39**
